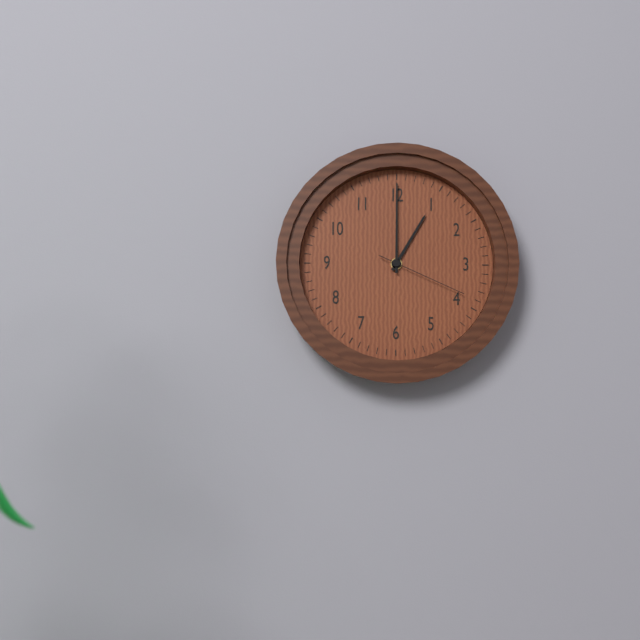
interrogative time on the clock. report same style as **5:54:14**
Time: **1:00:19**
